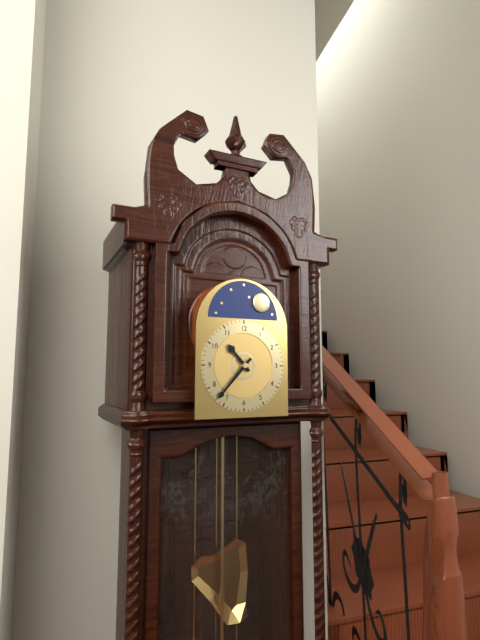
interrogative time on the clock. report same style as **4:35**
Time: **10:37**
